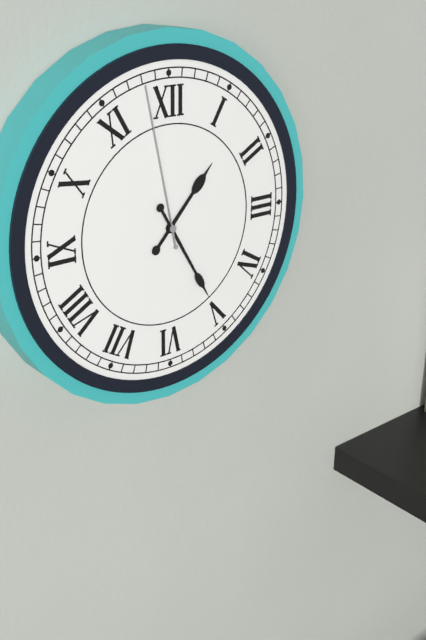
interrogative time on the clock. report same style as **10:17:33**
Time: **1:25:58**
